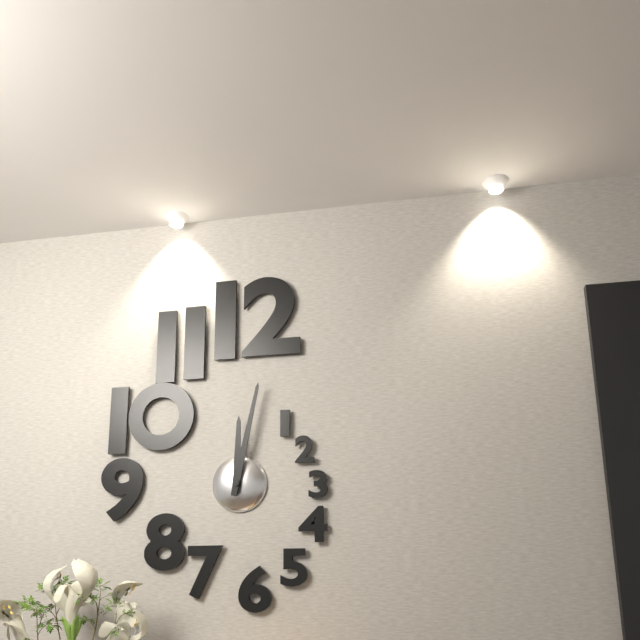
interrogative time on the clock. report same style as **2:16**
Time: **12:02**
